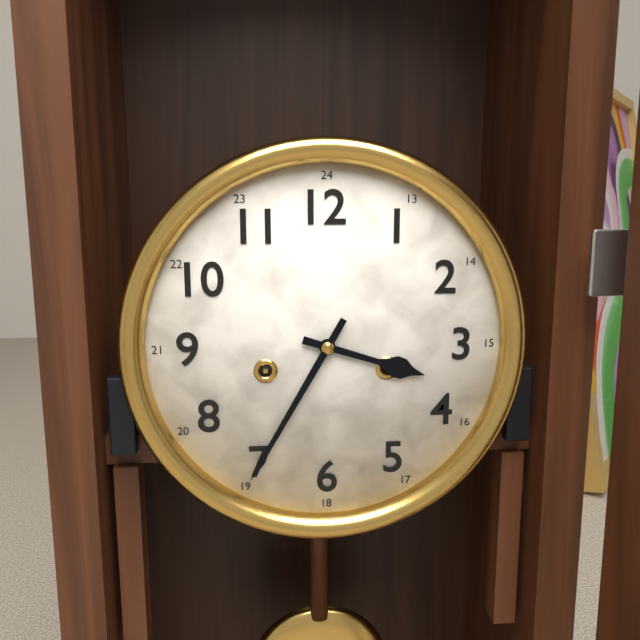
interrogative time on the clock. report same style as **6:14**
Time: **3:35**
